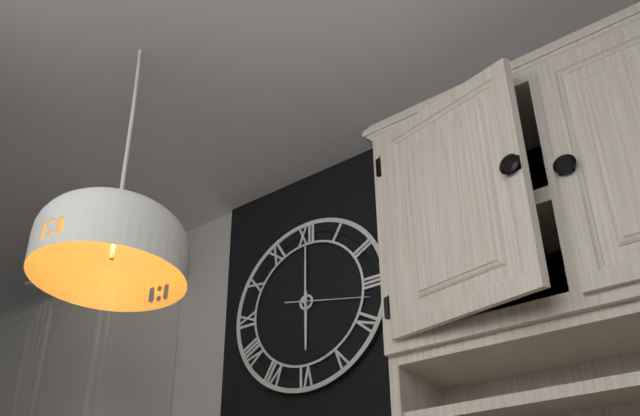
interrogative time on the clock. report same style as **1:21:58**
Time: **6:00:17**
